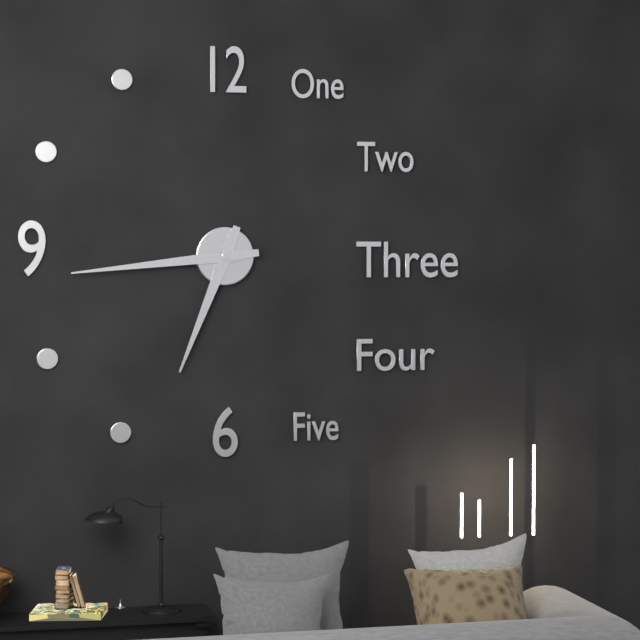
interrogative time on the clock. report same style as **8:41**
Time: **6:44**
